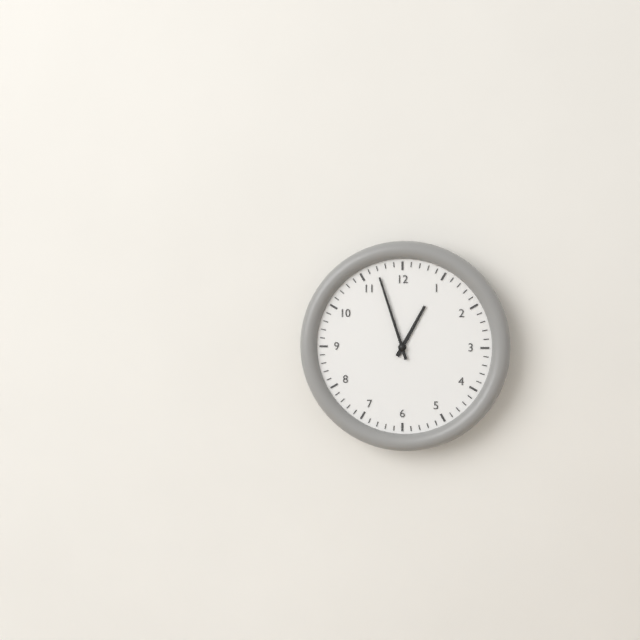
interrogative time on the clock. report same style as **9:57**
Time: **12:57**
